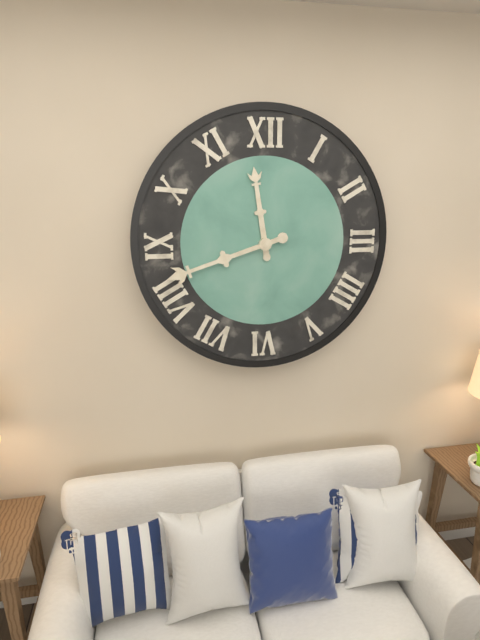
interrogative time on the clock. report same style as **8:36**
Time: **11:42**
